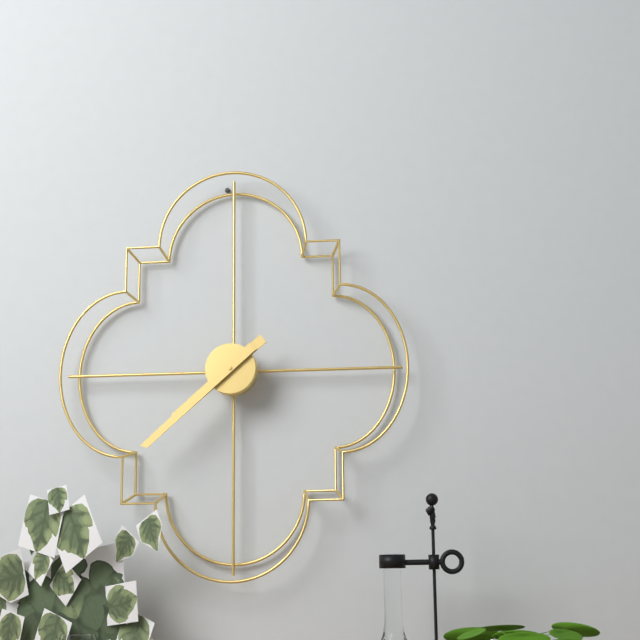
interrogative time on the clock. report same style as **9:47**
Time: **7:38**
